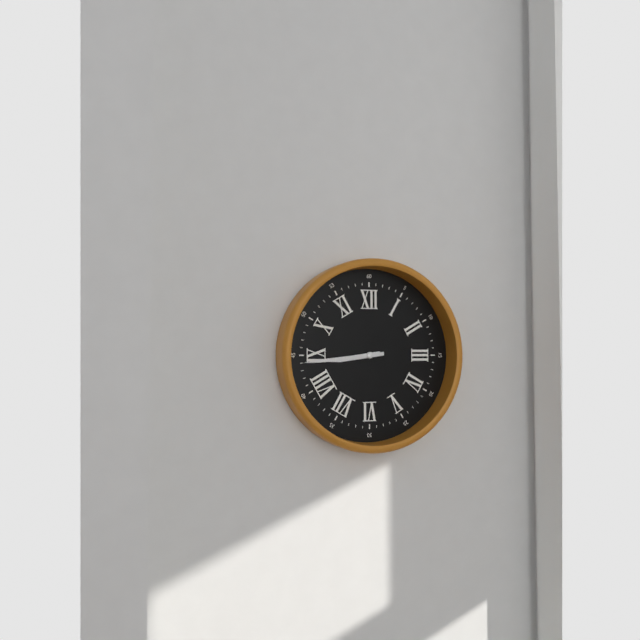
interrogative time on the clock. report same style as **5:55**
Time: **8:44**
